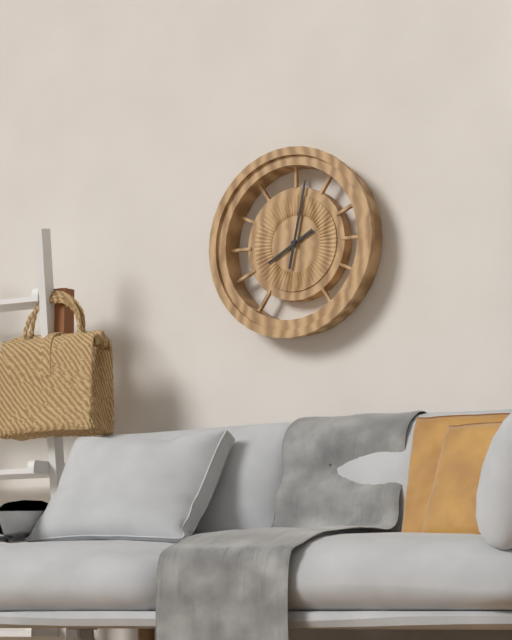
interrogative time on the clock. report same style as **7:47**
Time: **8:02**
